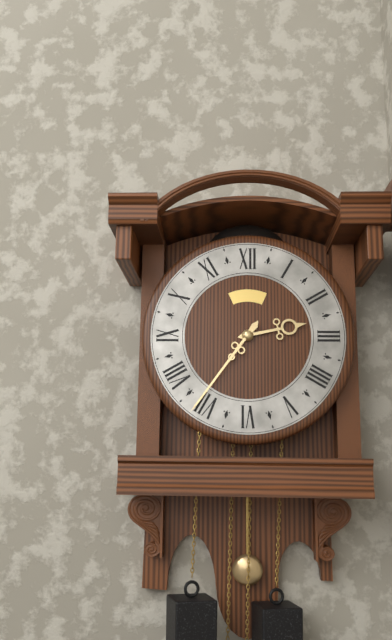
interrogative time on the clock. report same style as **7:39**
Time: **2:36**
